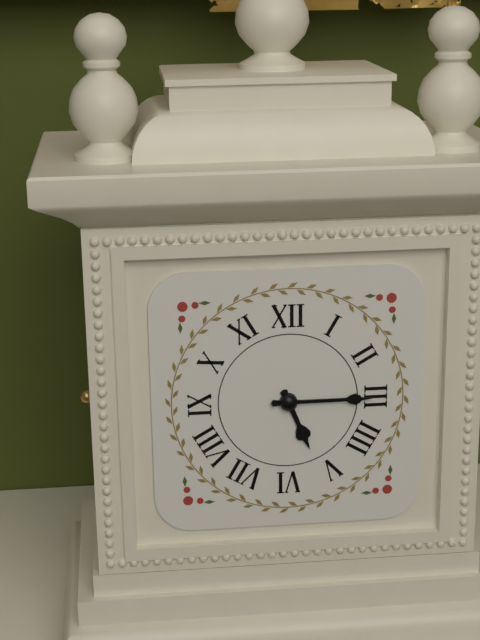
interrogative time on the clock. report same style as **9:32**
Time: **5:15**
